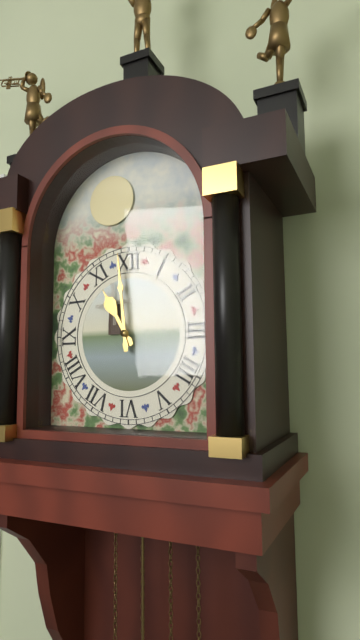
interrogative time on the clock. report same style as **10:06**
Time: **10:59**
